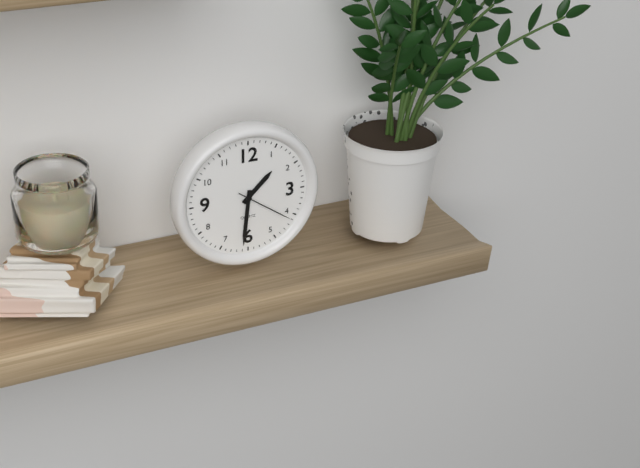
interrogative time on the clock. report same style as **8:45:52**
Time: **1:31:21**
